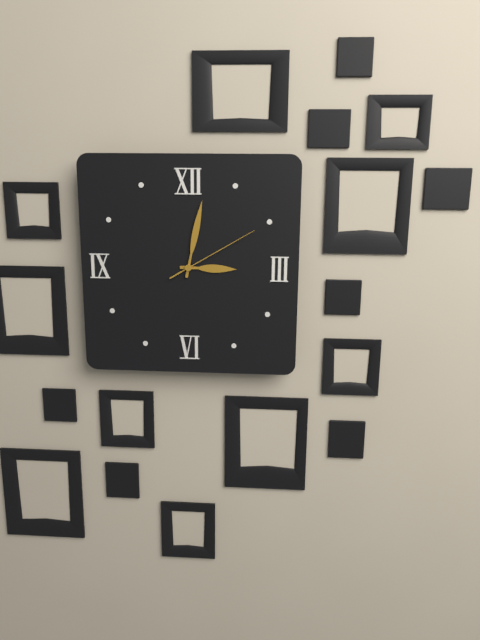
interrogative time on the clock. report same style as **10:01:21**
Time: **3:02:10**
